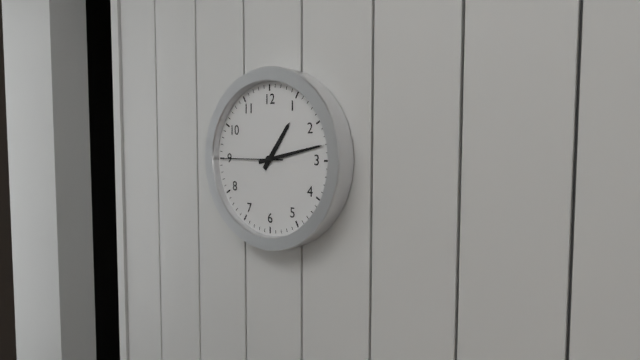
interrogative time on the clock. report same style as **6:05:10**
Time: **1:13:45**
